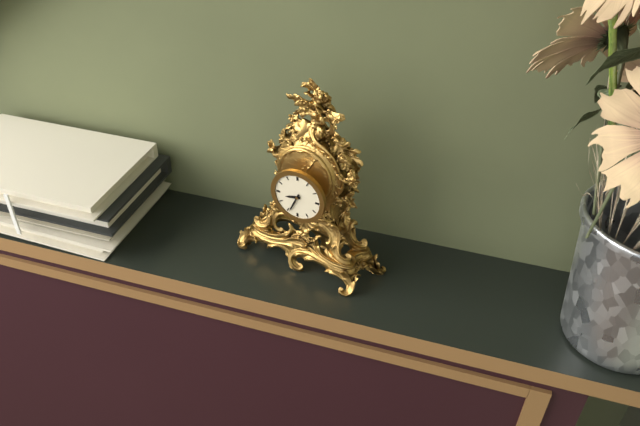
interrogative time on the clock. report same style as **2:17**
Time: **8:34**
